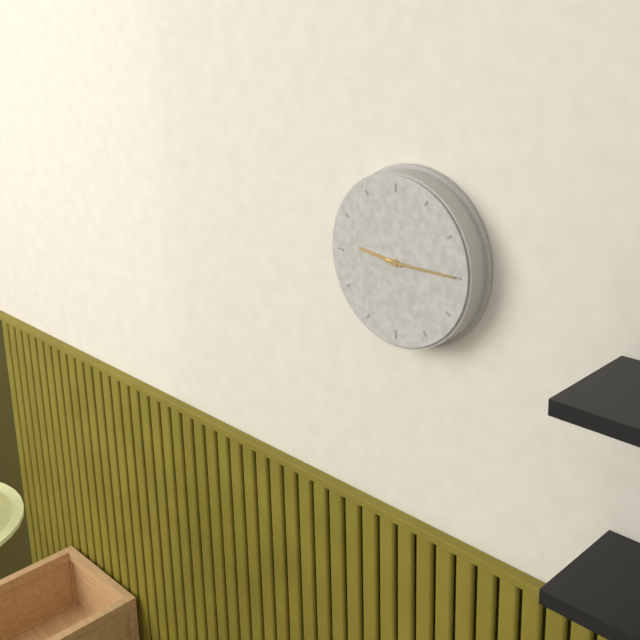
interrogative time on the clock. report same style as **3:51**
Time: **9:15**
